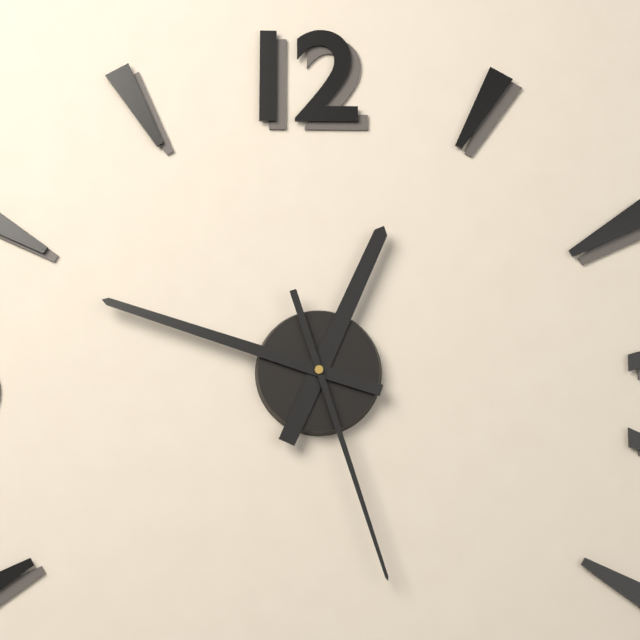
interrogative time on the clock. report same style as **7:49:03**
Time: **12:48:27**
